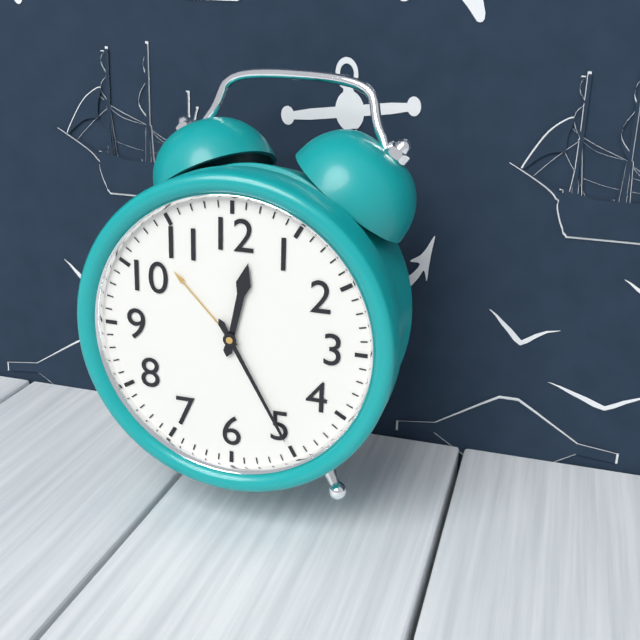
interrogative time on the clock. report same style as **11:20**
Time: **12:25**
